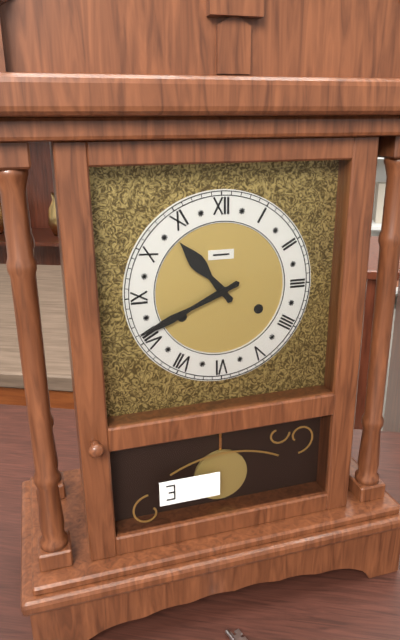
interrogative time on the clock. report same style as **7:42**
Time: **10:41**
